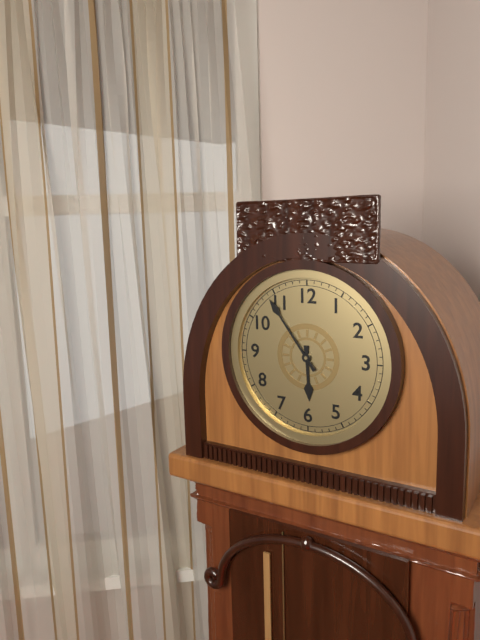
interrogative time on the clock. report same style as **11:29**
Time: **5:54**
